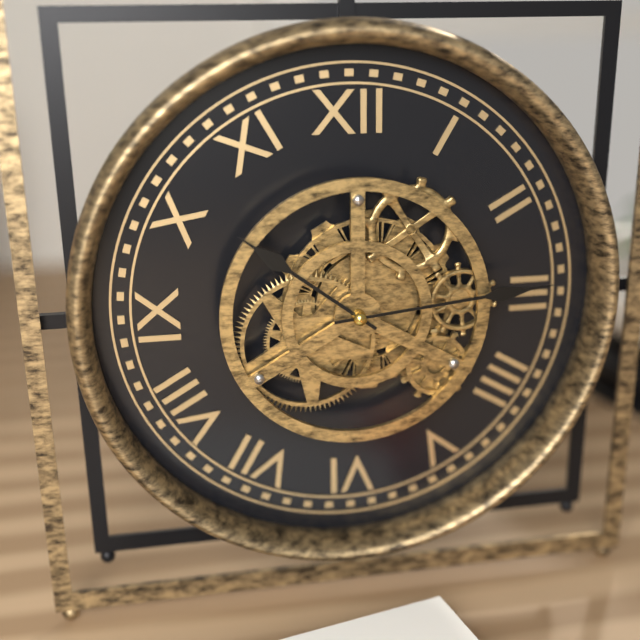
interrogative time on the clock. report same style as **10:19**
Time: **10:14**
